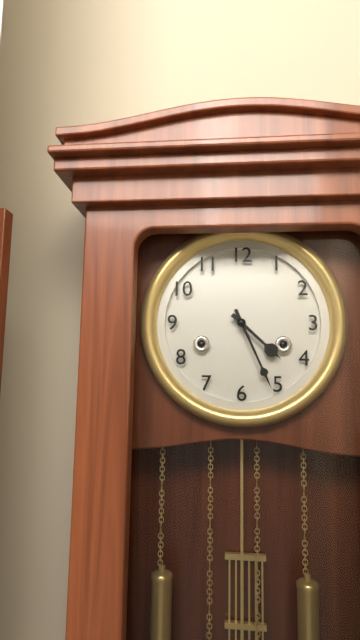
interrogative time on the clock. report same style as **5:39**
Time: **4:26**
